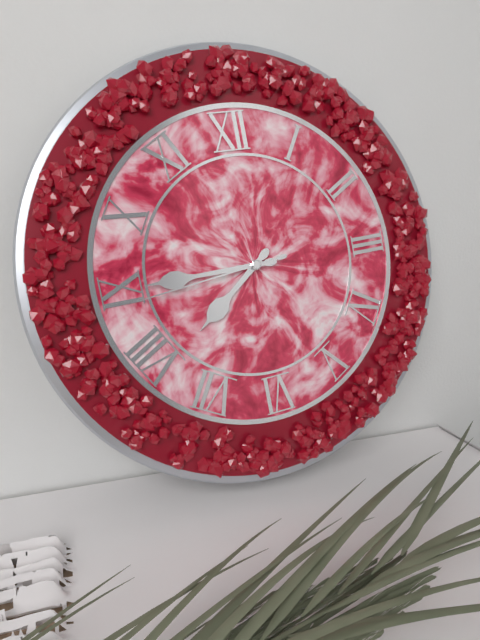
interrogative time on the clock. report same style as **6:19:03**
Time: **7:45:44**
